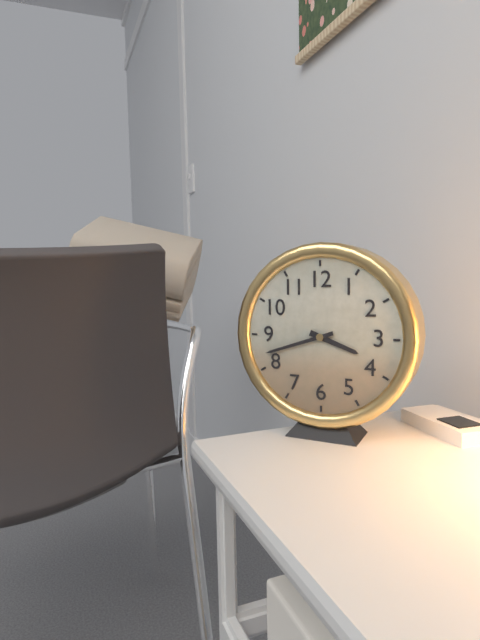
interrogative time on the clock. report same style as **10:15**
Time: **3:42**
